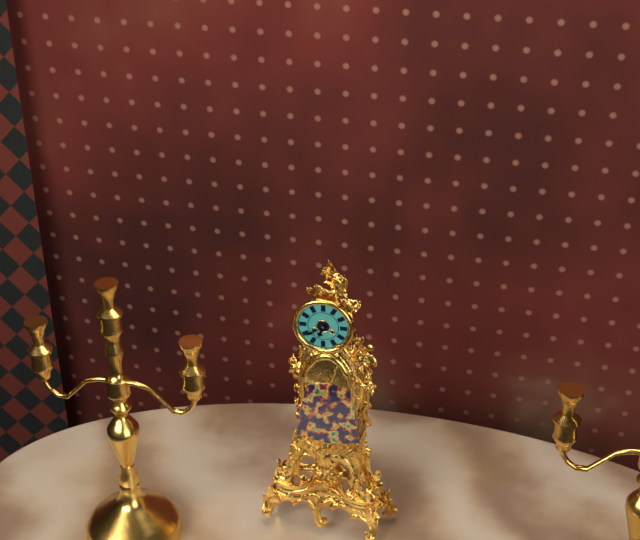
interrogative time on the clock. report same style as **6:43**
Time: **6:39**
